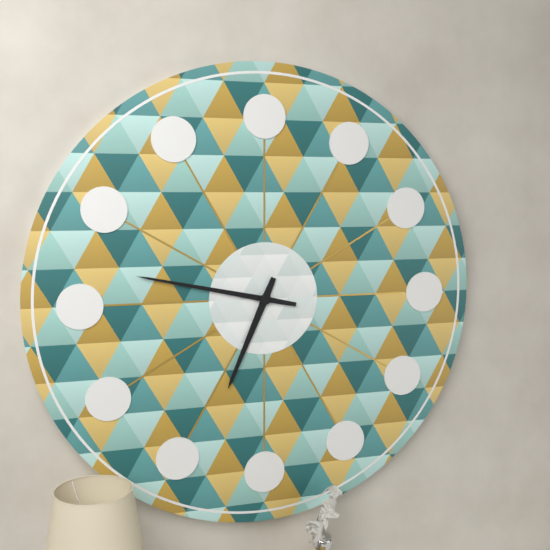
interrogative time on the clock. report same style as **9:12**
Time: **6:47**
